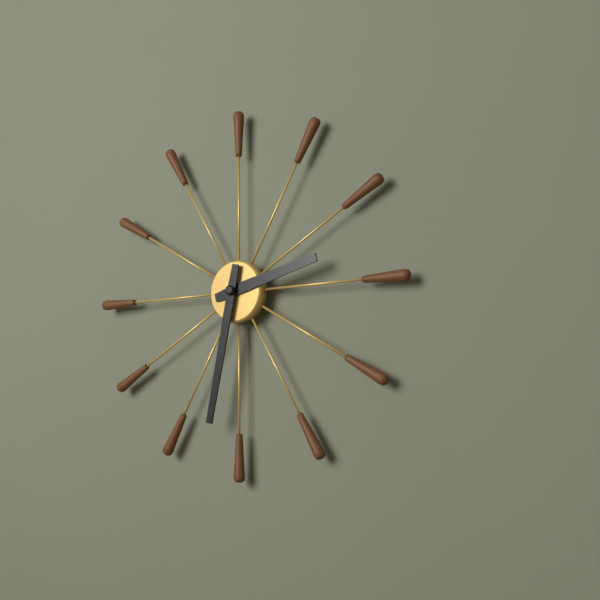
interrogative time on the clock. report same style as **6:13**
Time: **2:32**
